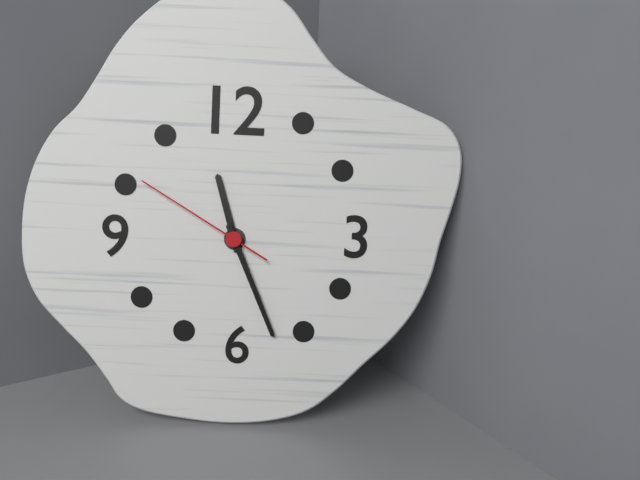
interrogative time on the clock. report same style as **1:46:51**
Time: **11:26:50**
